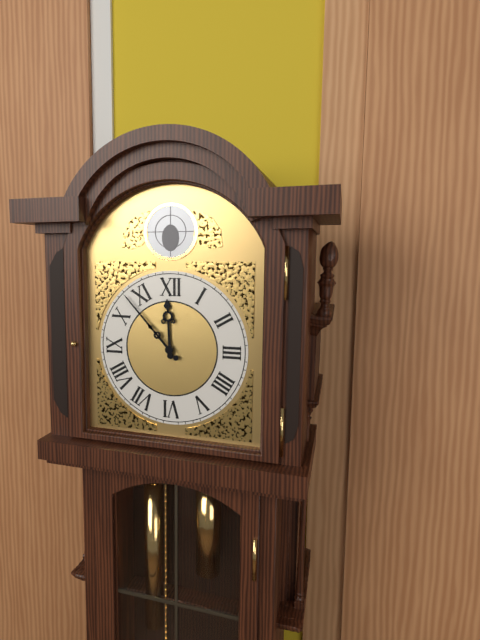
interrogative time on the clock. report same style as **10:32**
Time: **11:53**
